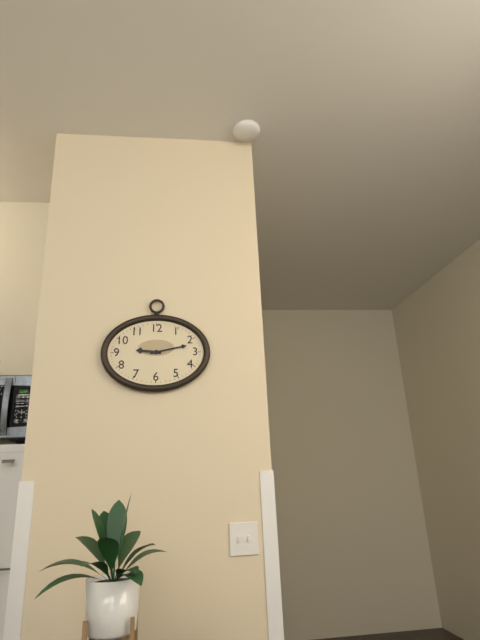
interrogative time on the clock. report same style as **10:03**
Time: **9:13**
